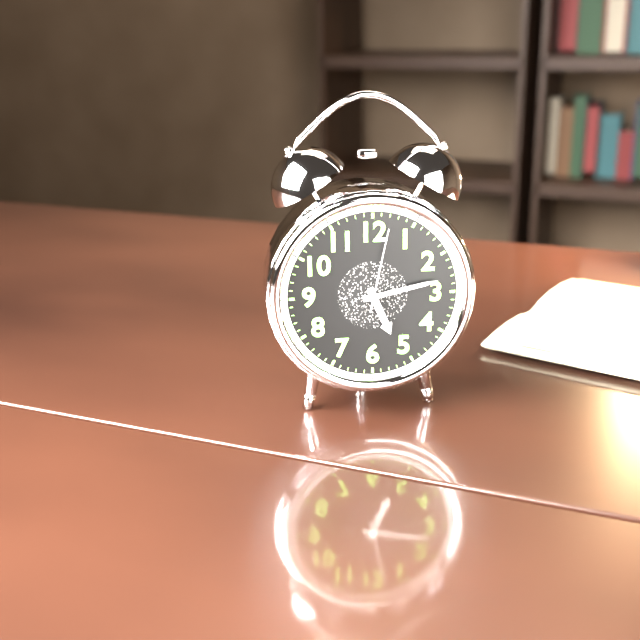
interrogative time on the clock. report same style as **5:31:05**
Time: **5:13:02**
